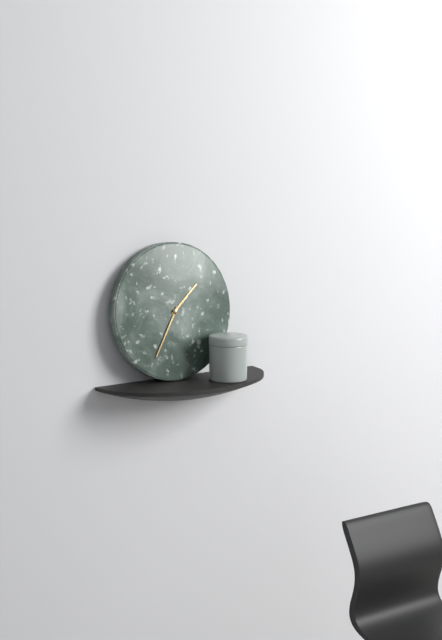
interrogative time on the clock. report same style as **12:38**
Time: **1:35**
